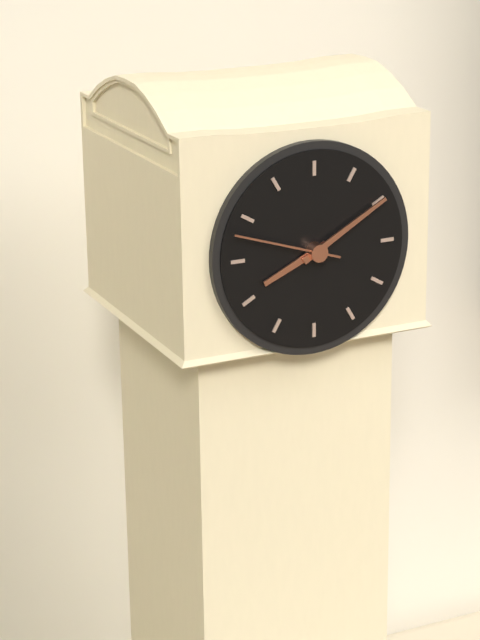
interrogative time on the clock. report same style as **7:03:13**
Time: **8:10:48**
